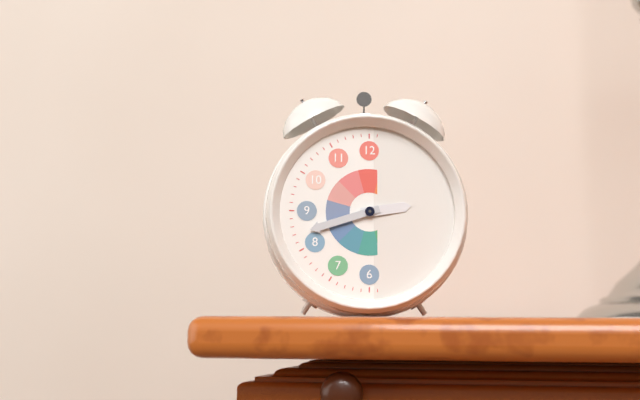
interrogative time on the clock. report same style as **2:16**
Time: **2:42**
